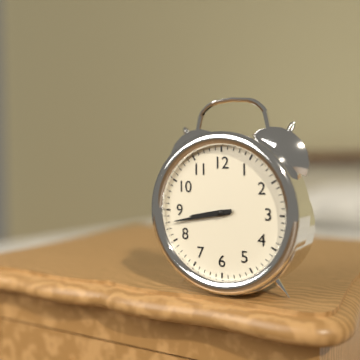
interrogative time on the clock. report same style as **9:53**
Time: **8:43**
